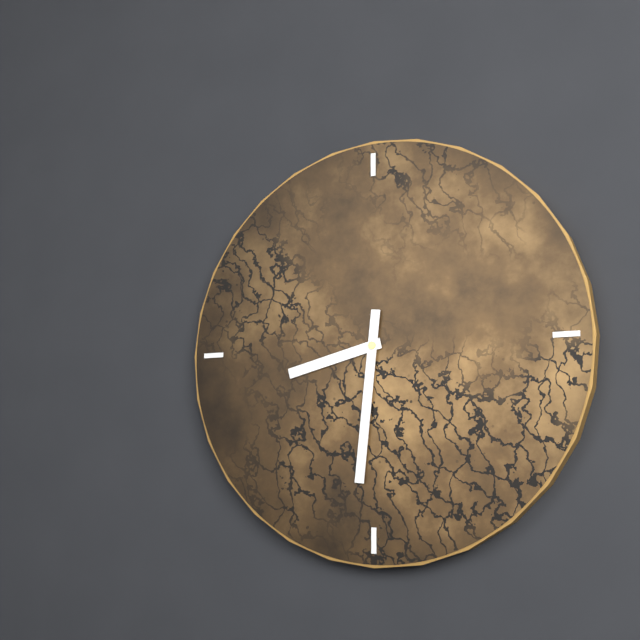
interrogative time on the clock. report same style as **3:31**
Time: **8:31**
